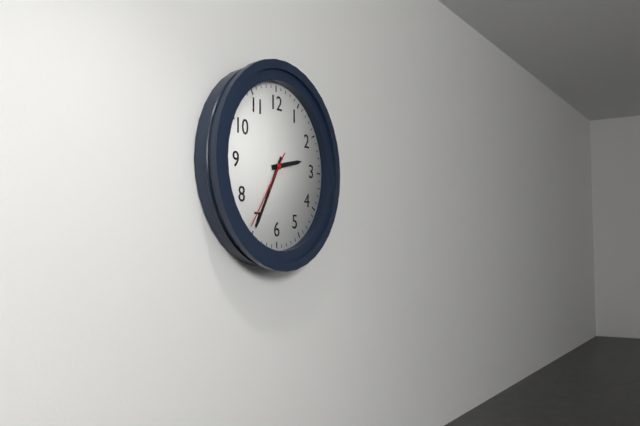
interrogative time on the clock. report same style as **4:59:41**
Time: **2:35:36**
